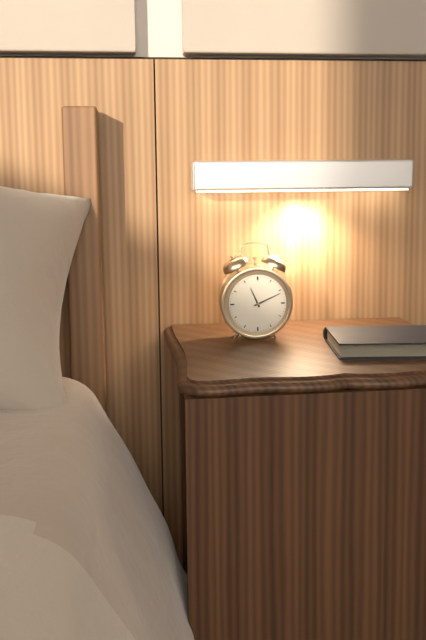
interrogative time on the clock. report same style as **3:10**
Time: **11:11**
